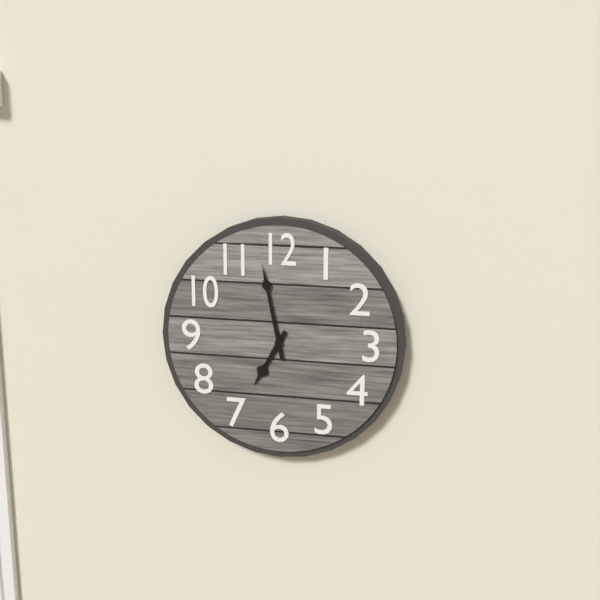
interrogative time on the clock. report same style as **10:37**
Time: **6:58**
